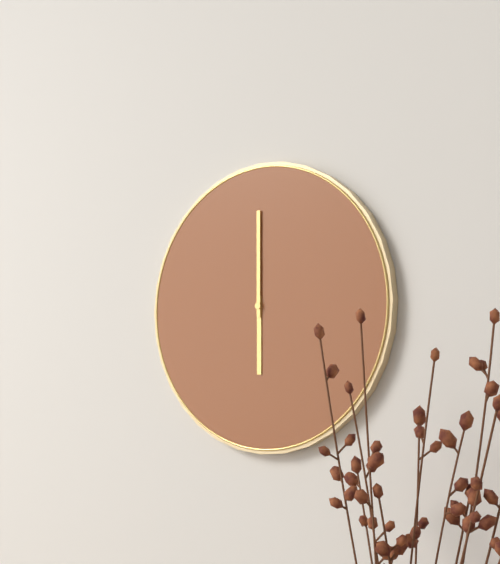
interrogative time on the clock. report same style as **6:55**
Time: **6:00**
